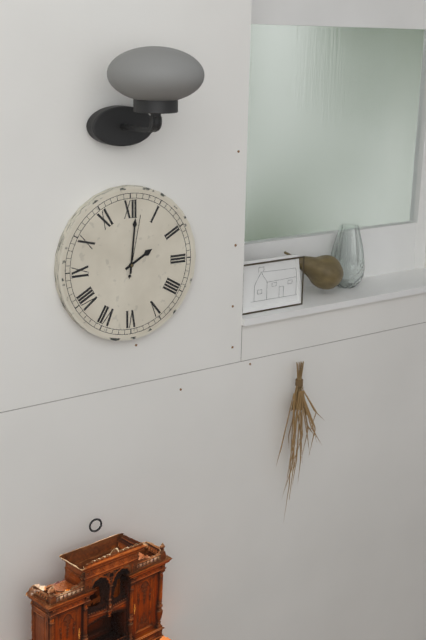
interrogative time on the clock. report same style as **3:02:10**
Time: **2:01:02**
